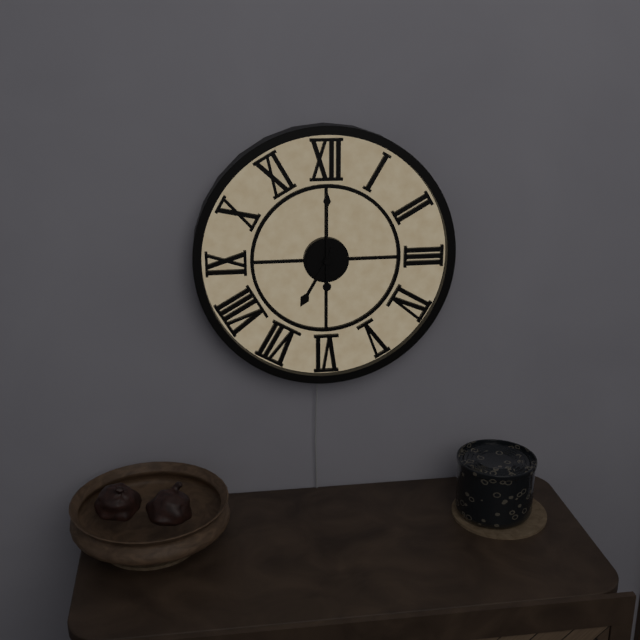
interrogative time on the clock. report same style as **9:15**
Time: **7:00**
